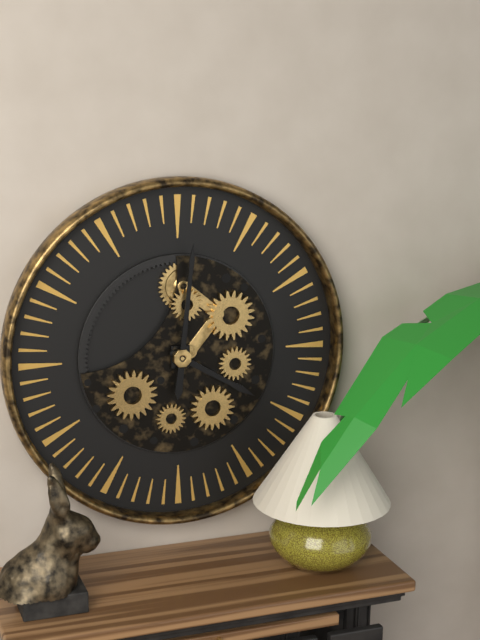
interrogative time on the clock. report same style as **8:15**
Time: **4:01**
